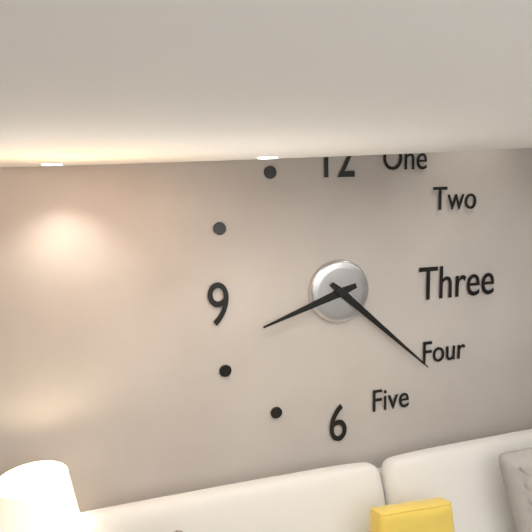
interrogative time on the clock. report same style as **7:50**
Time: **8:22**
